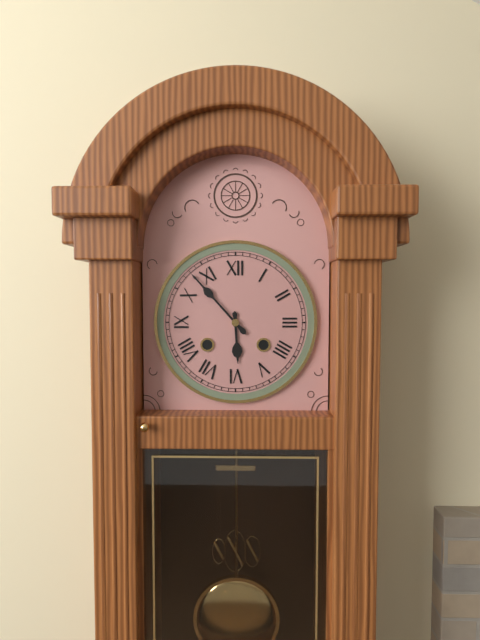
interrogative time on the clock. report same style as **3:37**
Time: **5:53**
